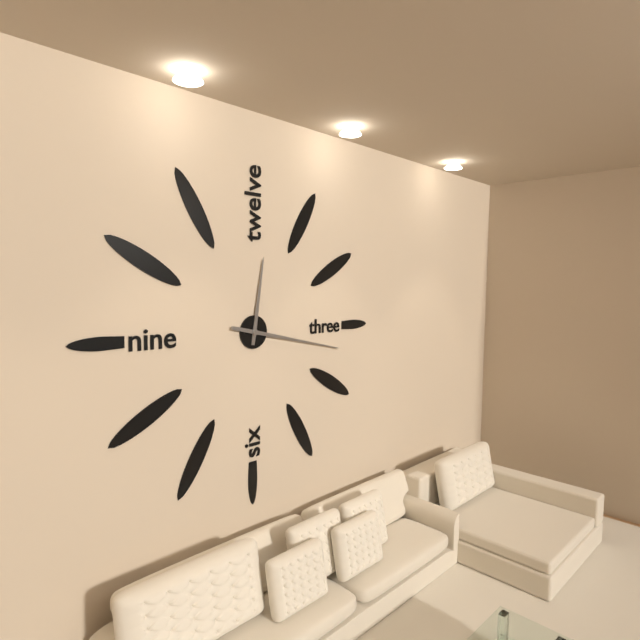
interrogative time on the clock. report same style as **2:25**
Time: **12:17**
